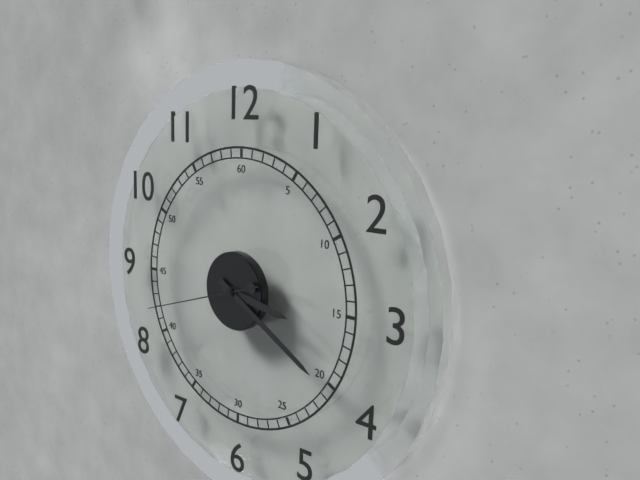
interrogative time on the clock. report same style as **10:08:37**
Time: **3:20:42**
